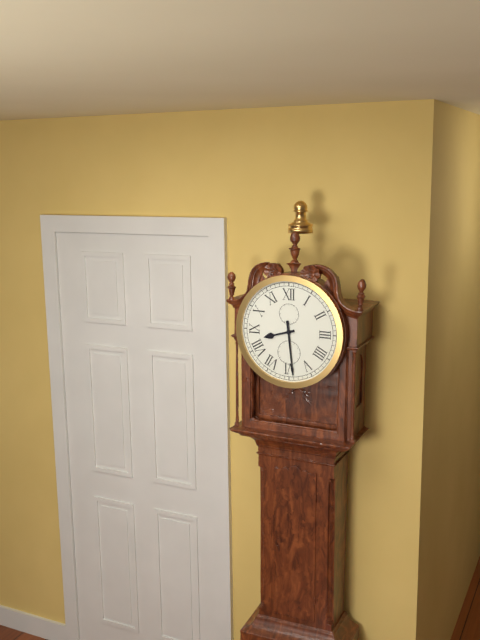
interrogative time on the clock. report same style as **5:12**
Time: **8:29**
